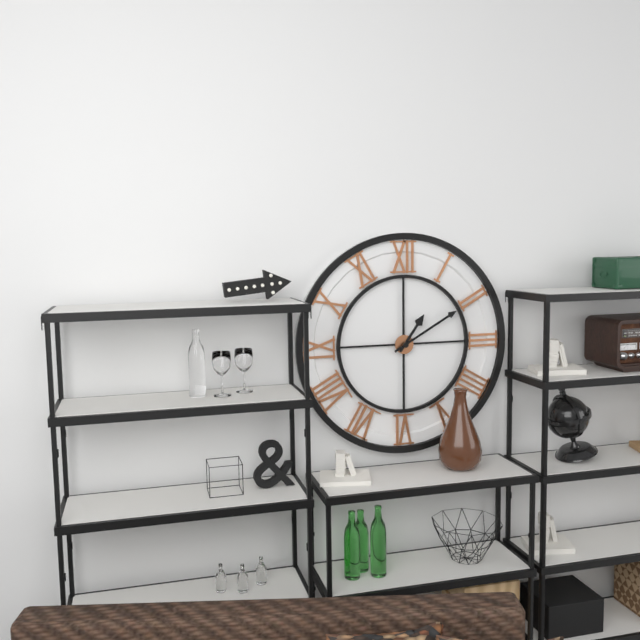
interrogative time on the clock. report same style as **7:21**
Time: **1:10**
